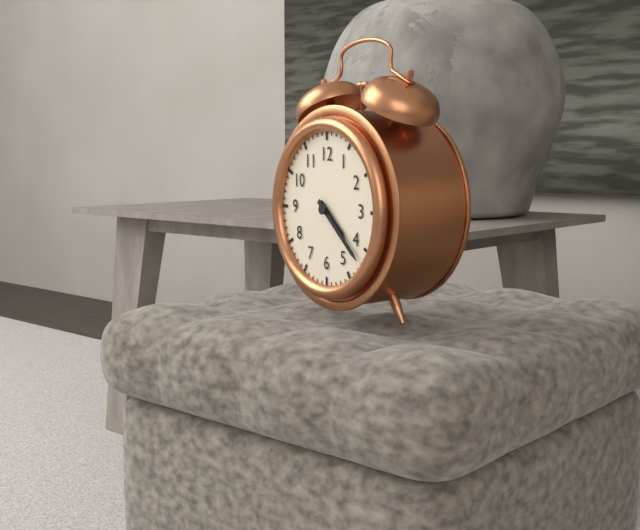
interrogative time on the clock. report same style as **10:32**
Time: **4:22**
